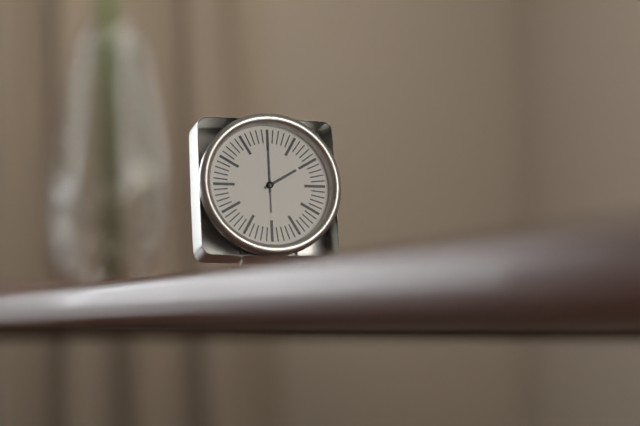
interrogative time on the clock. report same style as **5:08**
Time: **2:00**
